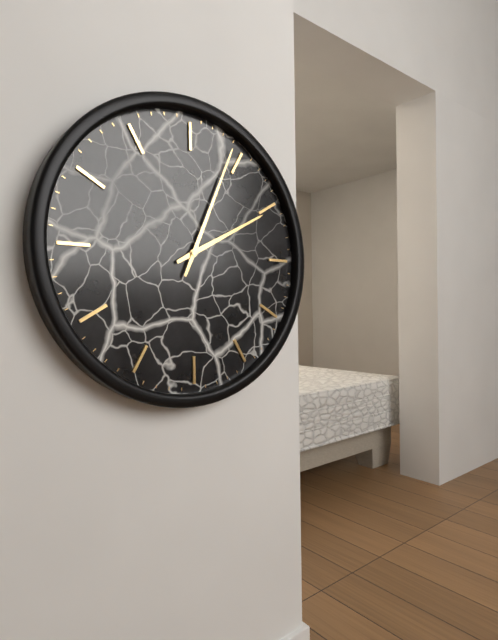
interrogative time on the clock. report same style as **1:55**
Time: **2:04**
